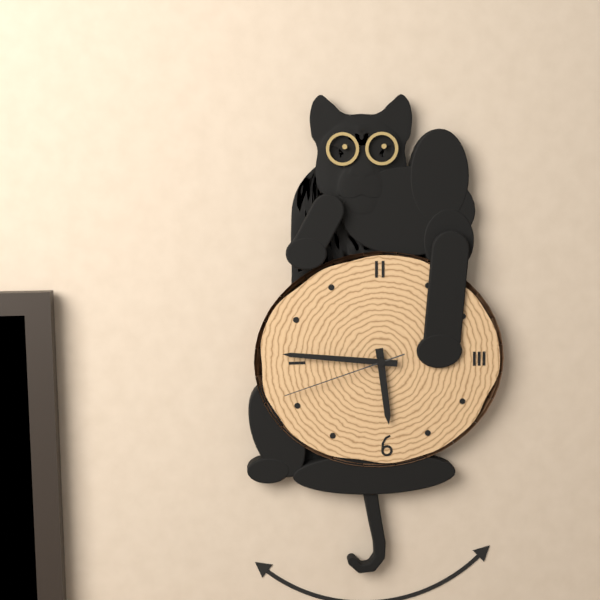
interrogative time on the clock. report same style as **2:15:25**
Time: **5:46:42**
